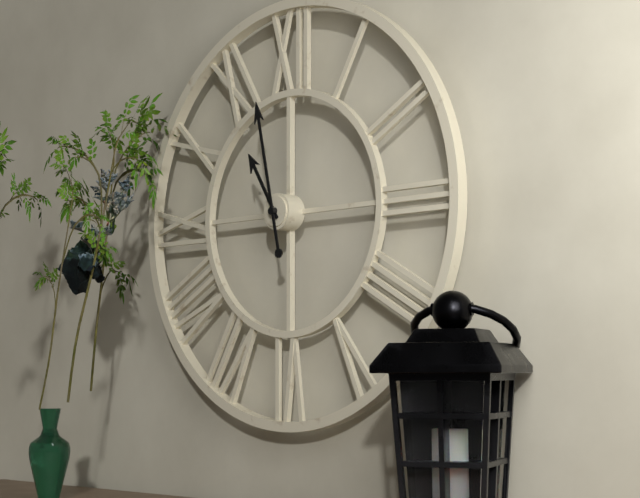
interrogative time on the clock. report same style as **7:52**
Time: **10:58**
